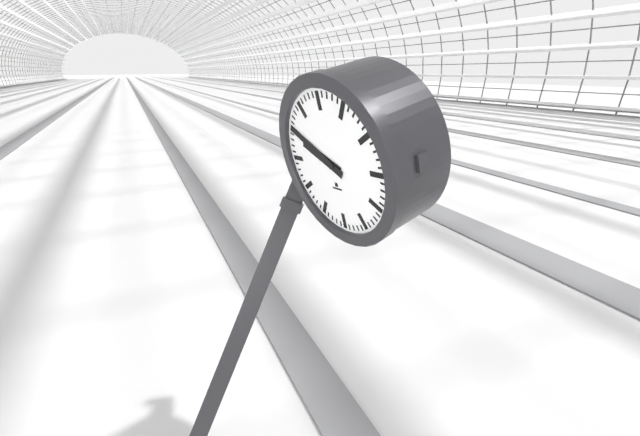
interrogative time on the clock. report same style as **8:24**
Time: **9:50**
